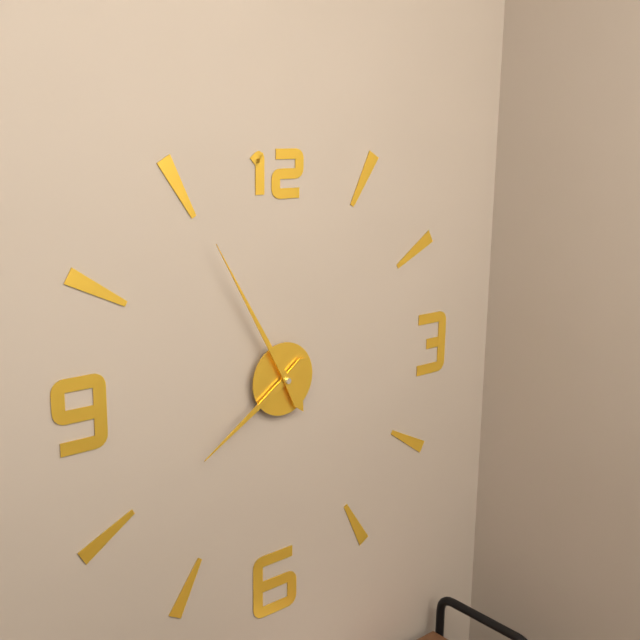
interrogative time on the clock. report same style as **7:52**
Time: **7:55**
